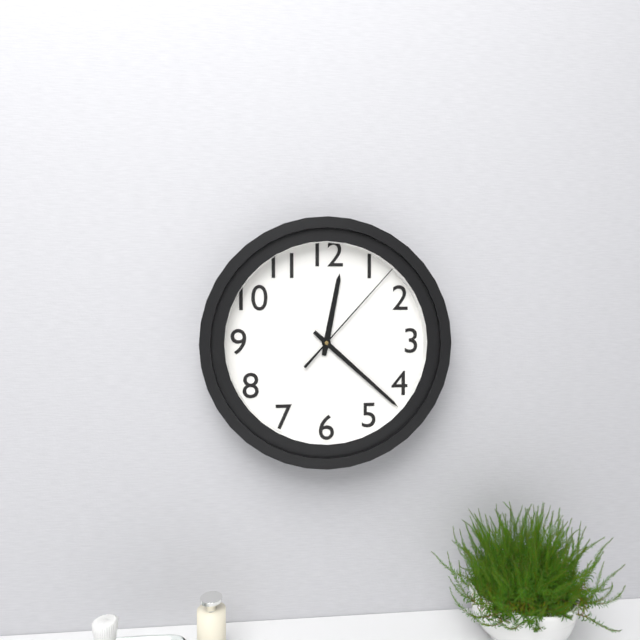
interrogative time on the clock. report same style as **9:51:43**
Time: **12:22:07**
